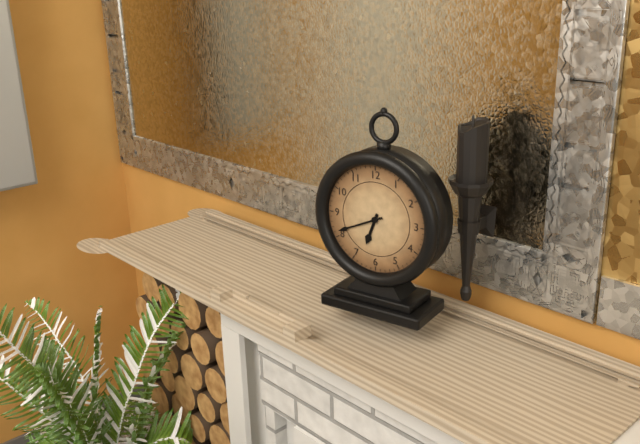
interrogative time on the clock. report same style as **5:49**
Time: **6:41**
